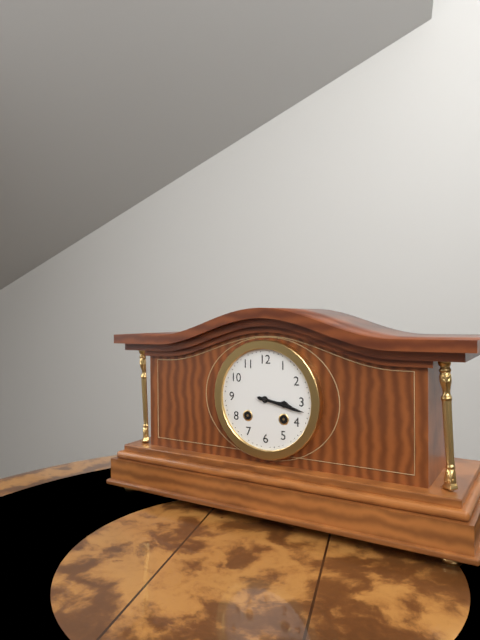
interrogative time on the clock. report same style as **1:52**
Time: **3:17**
